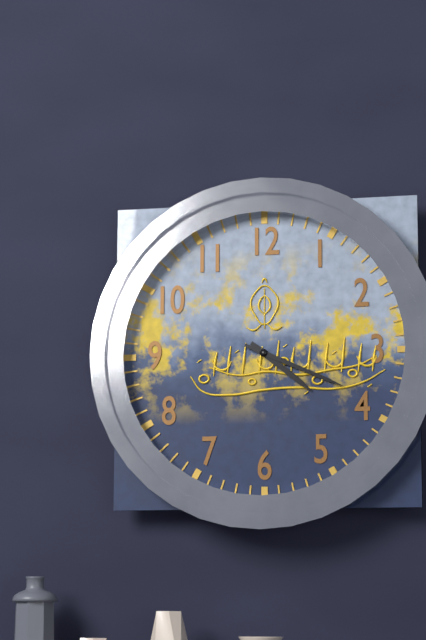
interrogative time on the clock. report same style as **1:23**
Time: **4:19**
